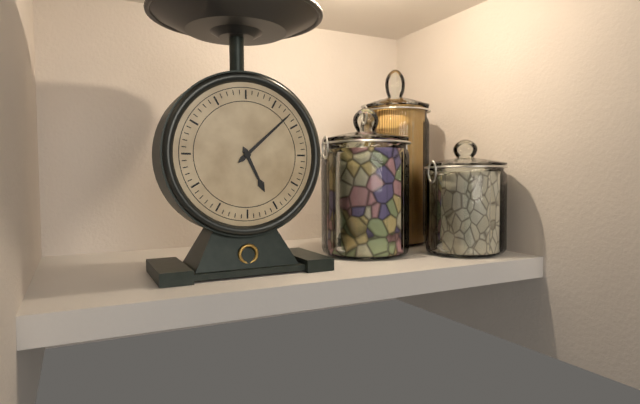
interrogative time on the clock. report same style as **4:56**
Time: **5:08**
